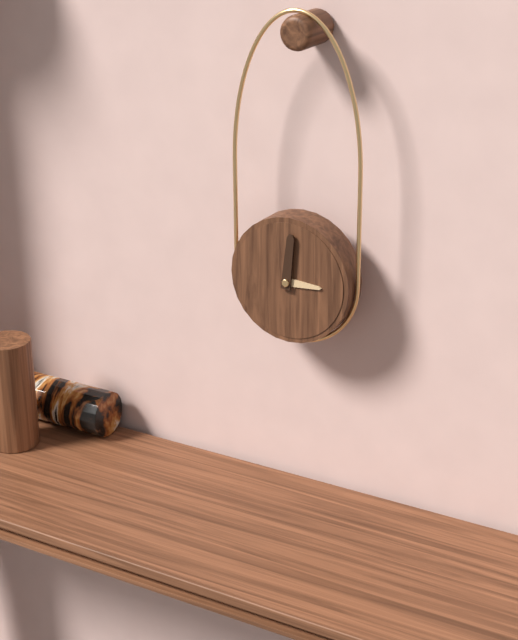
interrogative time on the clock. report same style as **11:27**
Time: **3:01**
